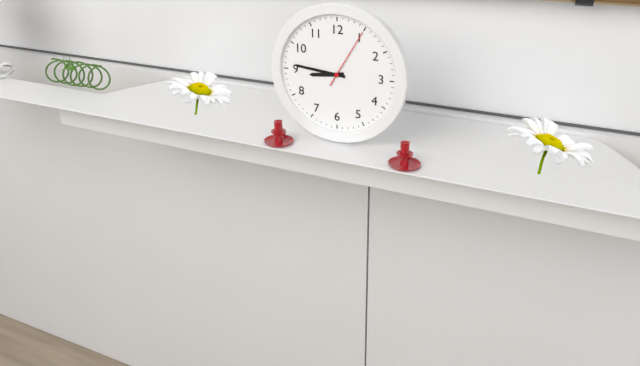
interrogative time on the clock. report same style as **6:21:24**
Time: **8:46:05**
